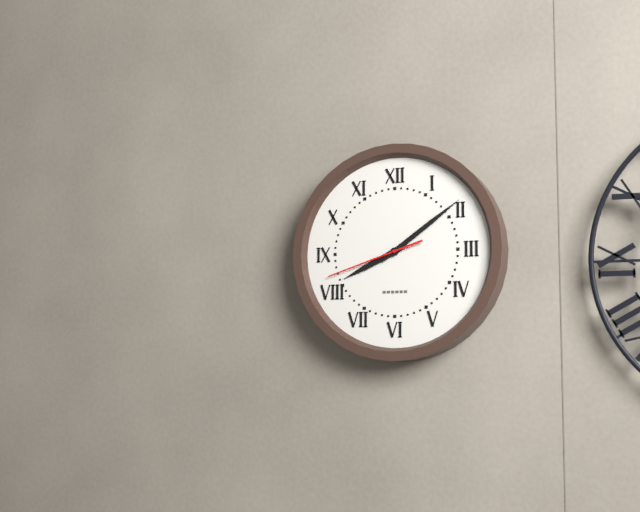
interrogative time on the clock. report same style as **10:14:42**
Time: **8:09:42**
